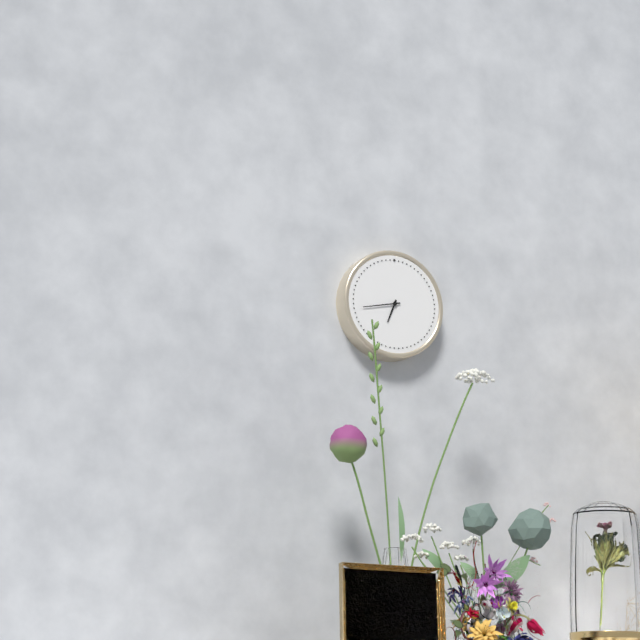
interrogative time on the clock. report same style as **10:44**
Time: **6:43**
